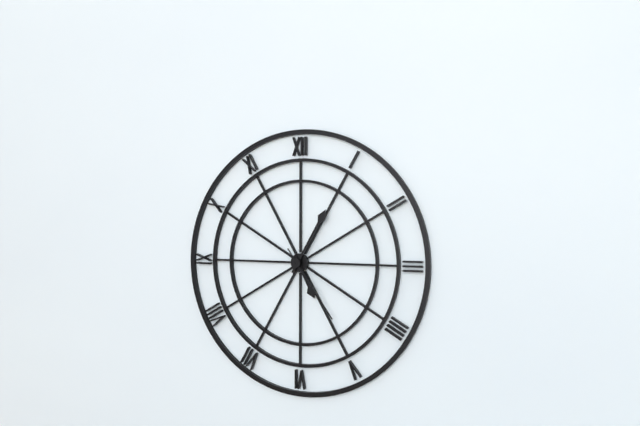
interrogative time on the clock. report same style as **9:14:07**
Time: **5:05:24**
